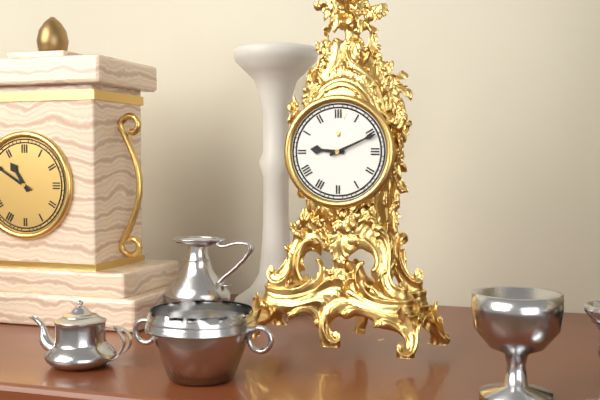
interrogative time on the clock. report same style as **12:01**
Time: **9:11**
